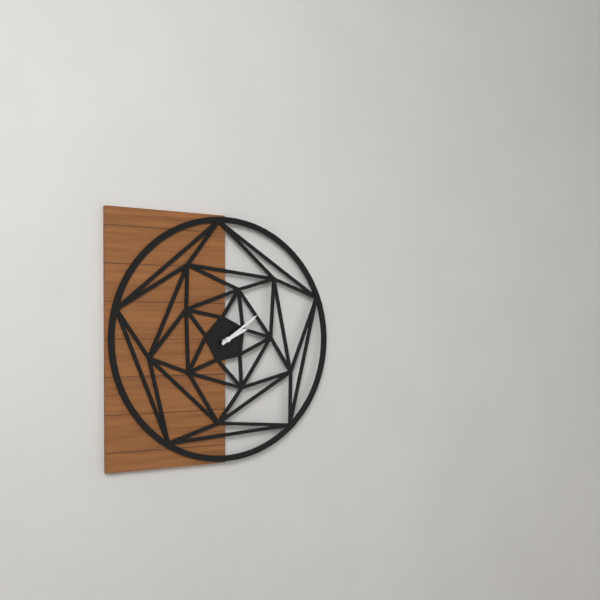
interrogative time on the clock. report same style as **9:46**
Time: **2:09**
